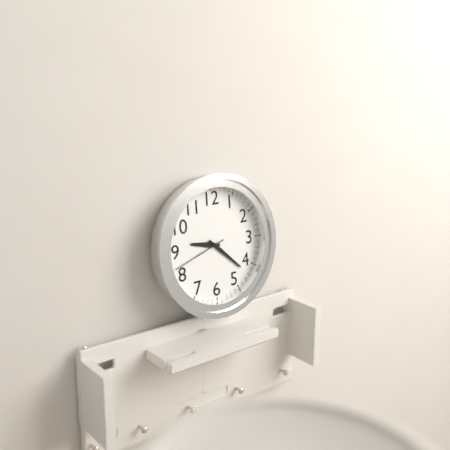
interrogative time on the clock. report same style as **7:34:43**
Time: **9:22:42**
